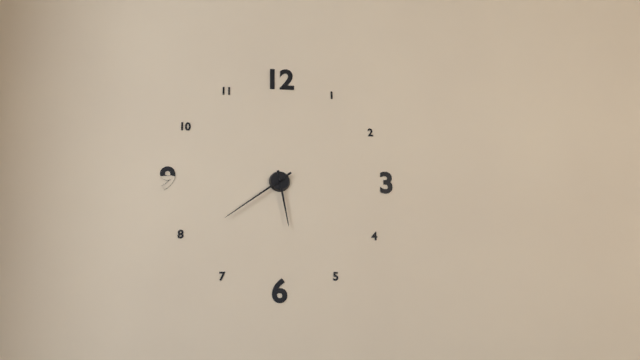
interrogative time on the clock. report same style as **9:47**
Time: **5:39**
